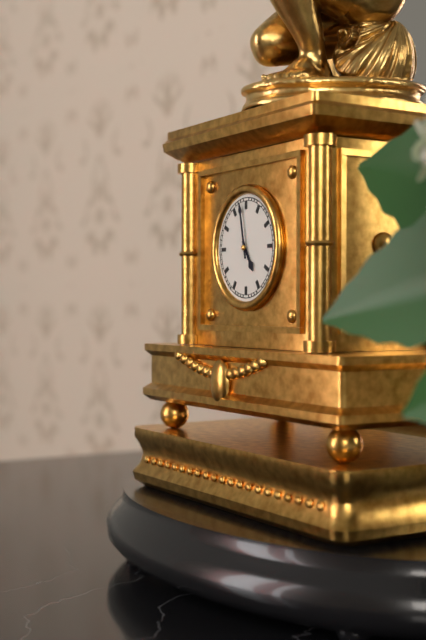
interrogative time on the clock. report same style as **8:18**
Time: **4:58**
